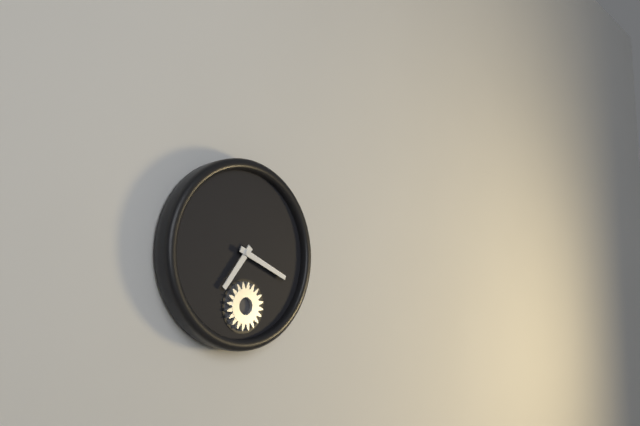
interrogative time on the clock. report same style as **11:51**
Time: **7:19**
